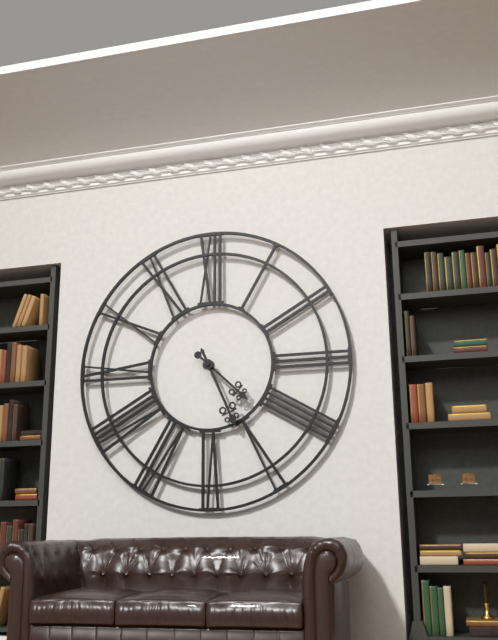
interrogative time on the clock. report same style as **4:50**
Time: **4:26**
